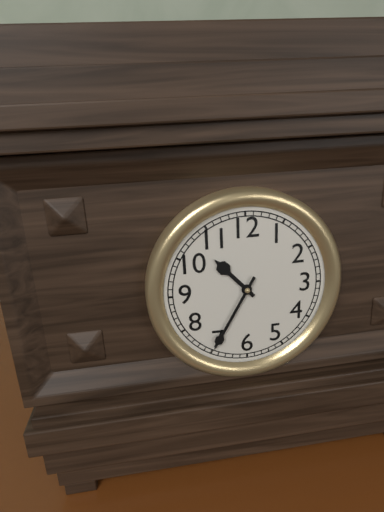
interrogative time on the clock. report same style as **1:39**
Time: **10:35**
